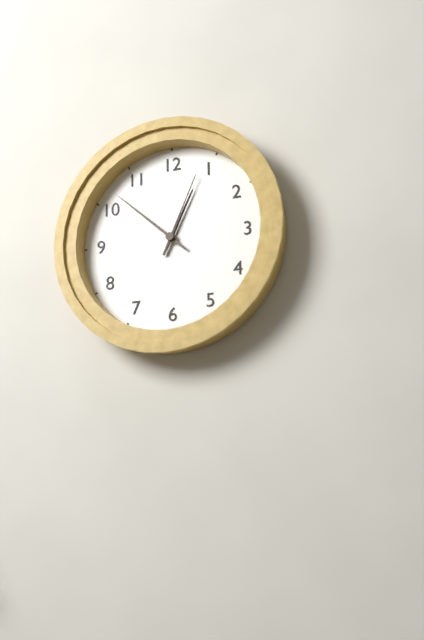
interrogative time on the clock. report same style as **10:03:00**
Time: **12:52:04**
